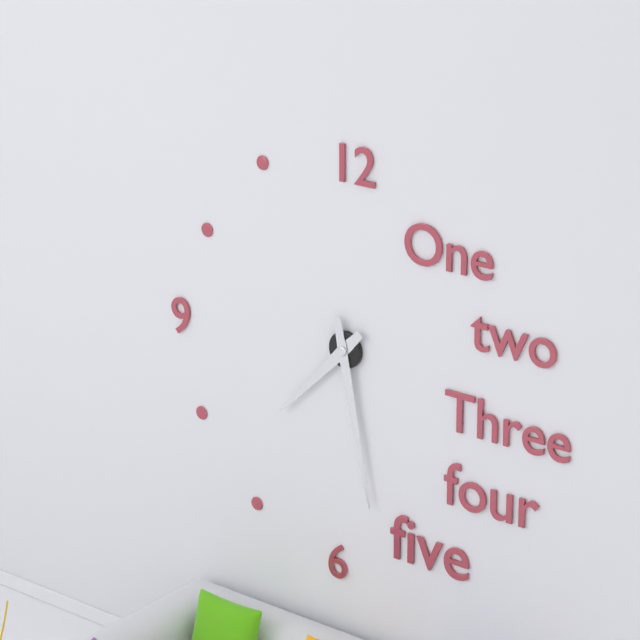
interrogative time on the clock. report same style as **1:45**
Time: **7:28**
